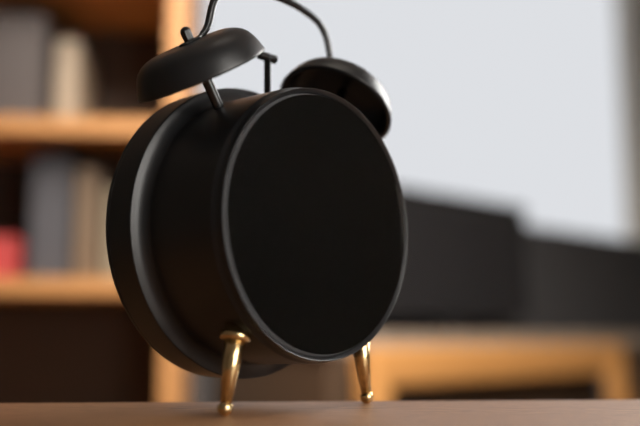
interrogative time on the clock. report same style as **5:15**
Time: **4:19**
